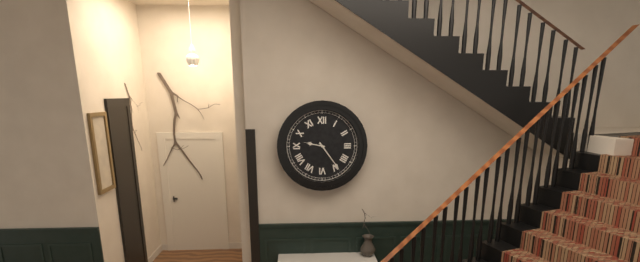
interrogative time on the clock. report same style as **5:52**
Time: **9:24**
